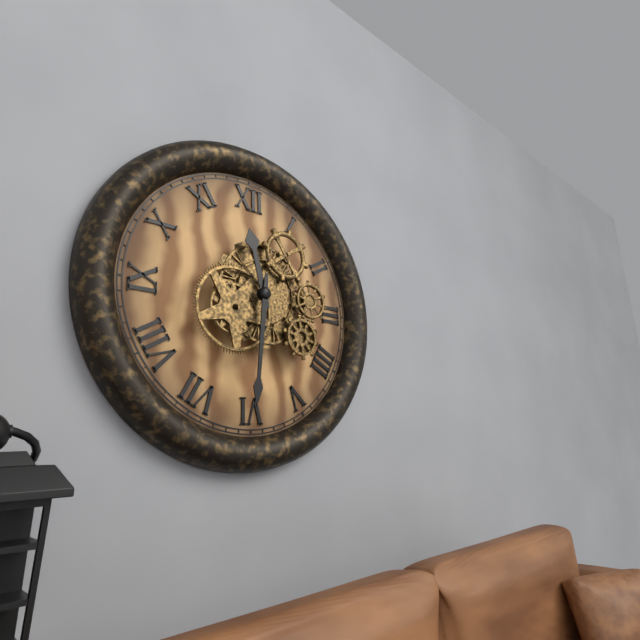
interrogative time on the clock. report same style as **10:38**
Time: **11:31**
